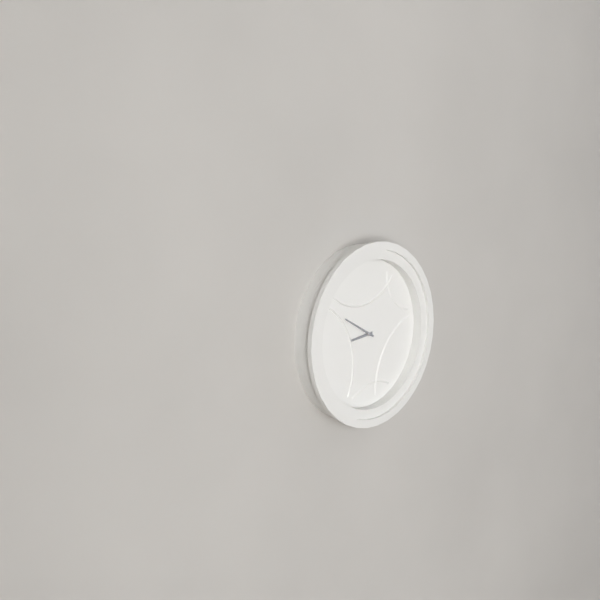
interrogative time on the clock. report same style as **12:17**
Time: **8:50**
